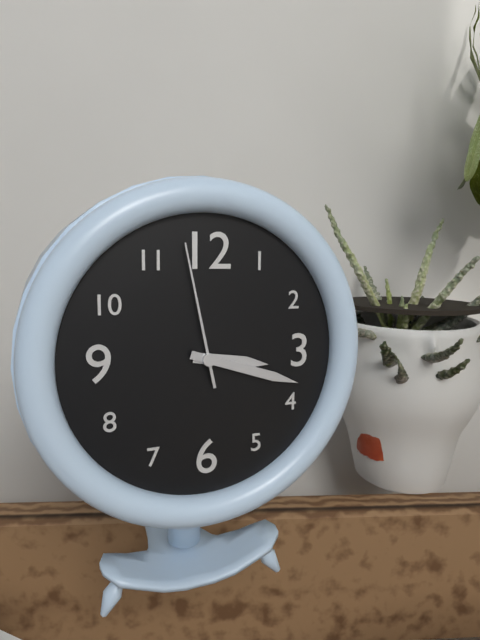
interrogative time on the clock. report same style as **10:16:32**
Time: **3:18:58**
